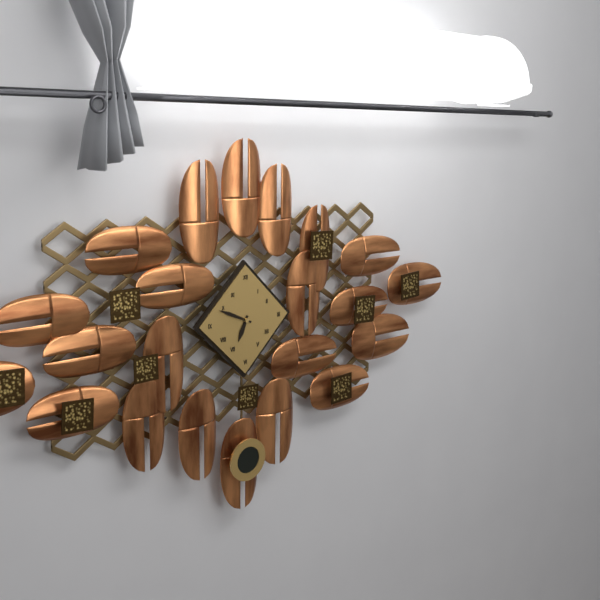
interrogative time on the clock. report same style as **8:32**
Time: **6:49**
